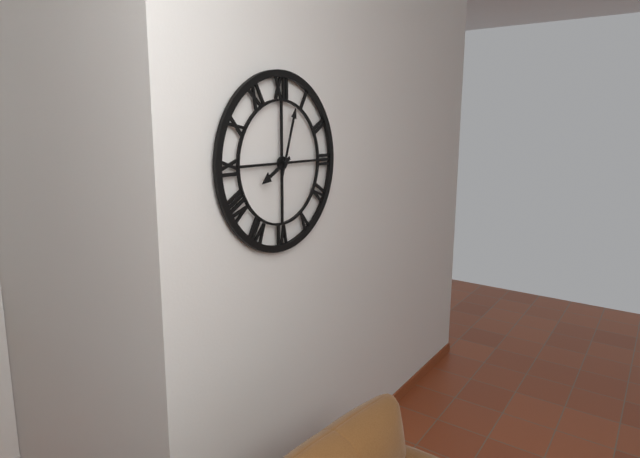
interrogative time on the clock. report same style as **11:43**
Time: **8:03**
